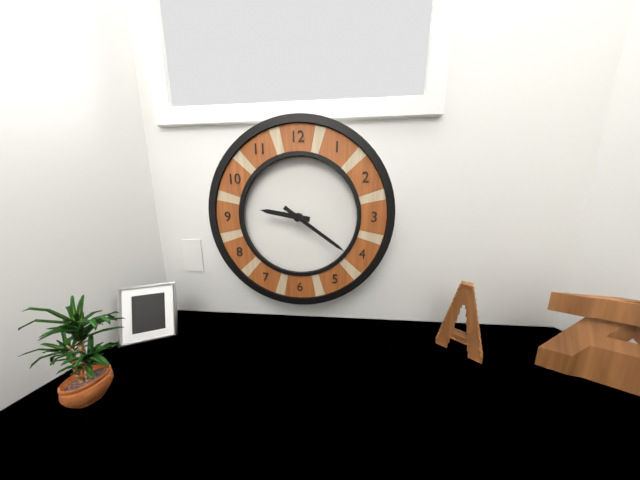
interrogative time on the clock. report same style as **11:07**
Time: **9:21**
